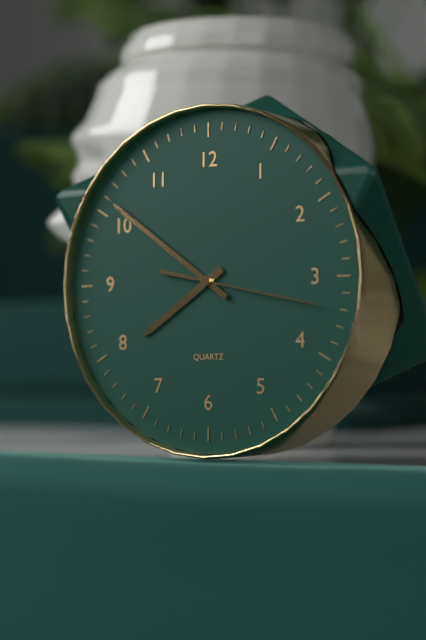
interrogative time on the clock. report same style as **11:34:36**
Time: **7:51:17**
